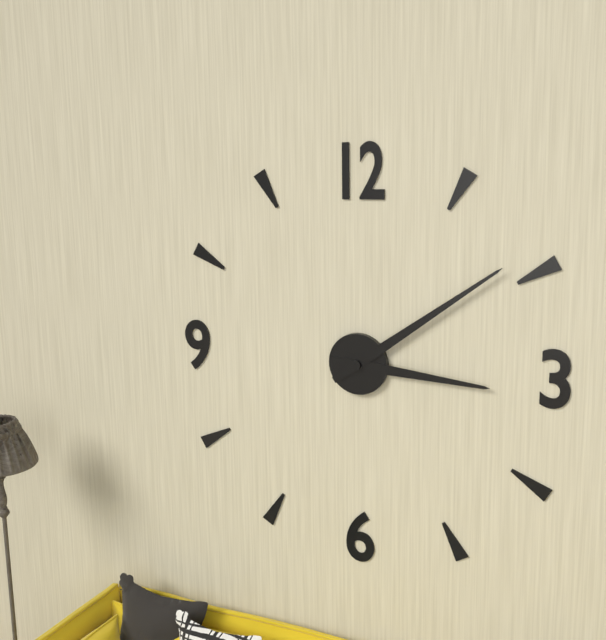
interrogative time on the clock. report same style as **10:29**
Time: **3:09**
